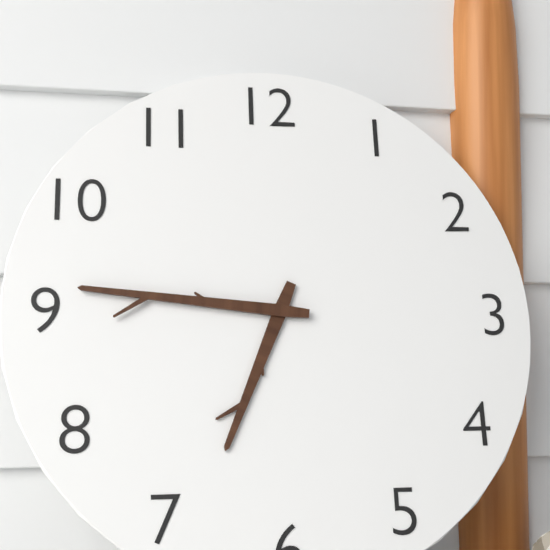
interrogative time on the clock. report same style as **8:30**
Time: **6:46**
